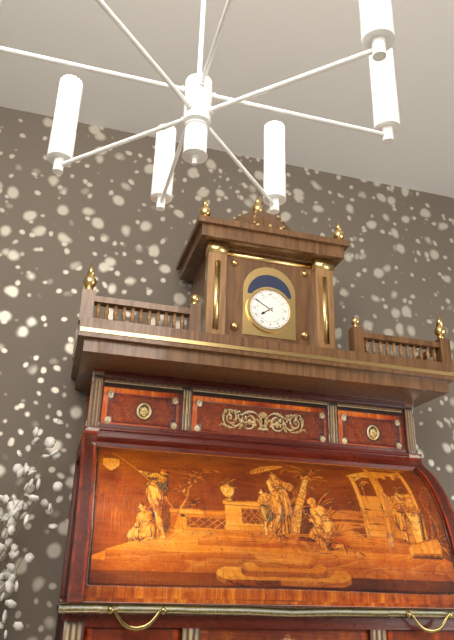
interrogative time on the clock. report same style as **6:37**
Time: **7:50**
